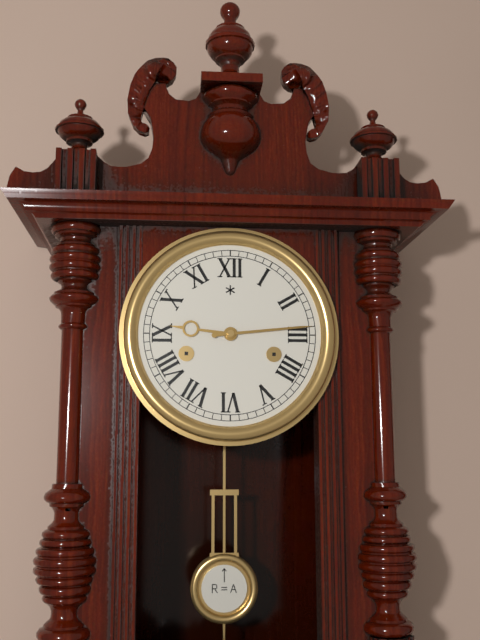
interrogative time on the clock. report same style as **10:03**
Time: **9:14**
